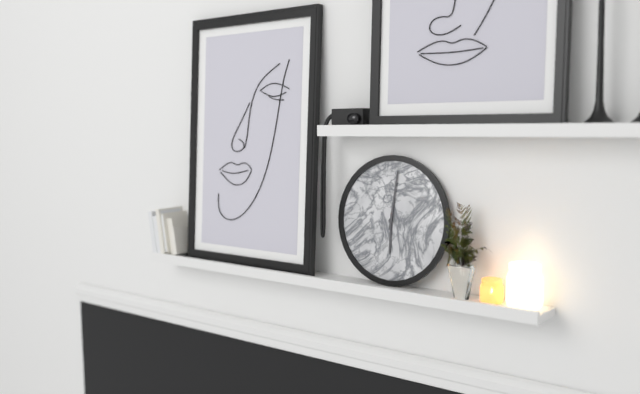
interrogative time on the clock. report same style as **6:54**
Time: **6:01**
